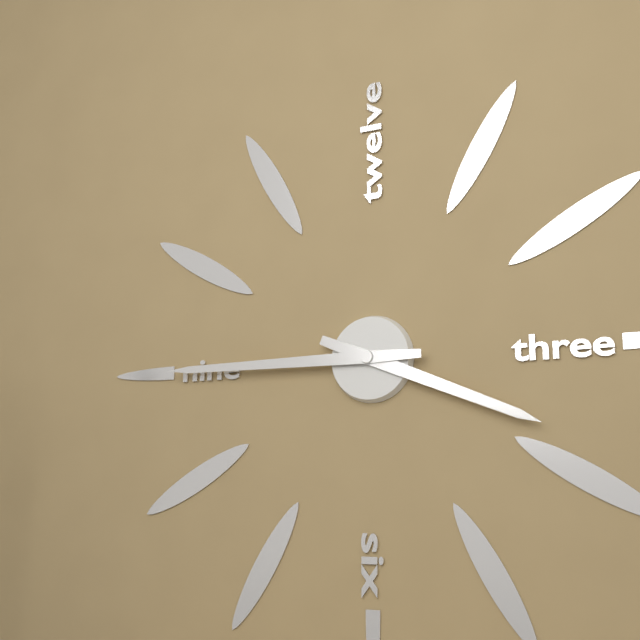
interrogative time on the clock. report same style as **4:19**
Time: **3:45**
